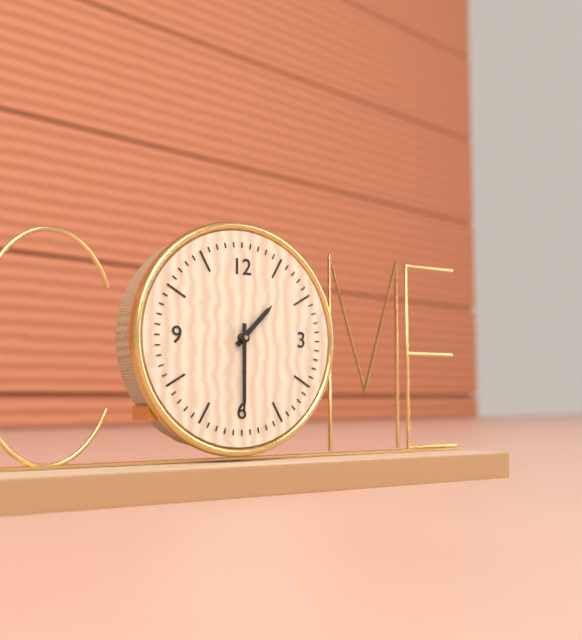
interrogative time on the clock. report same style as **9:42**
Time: **1:30**
